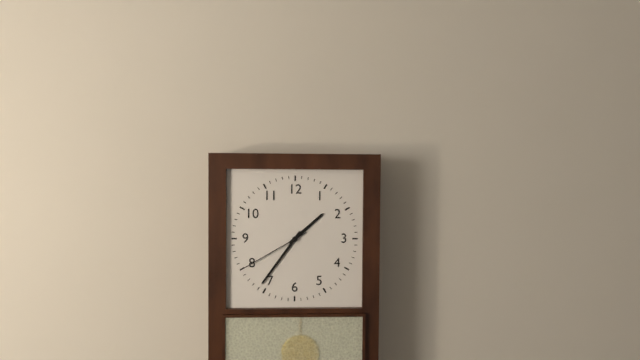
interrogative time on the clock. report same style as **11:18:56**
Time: **1:36:40**
